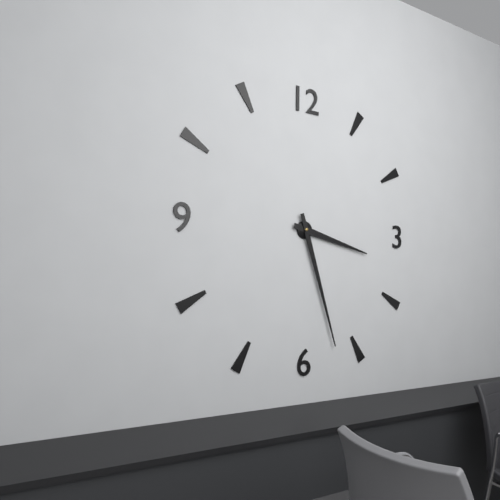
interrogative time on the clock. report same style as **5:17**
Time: **3:27**
